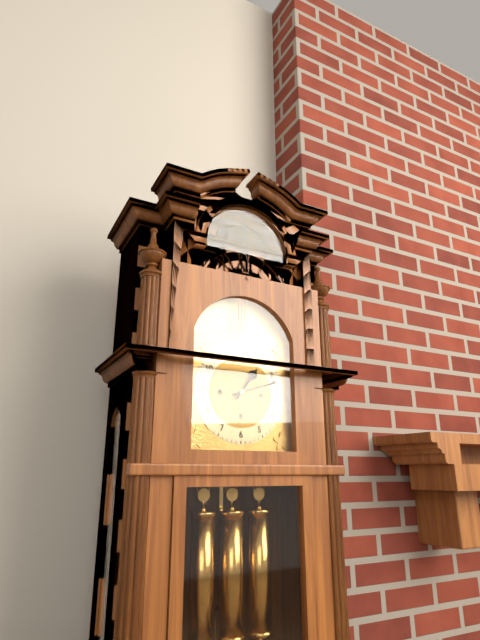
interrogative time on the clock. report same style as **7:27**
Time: **1:12**
